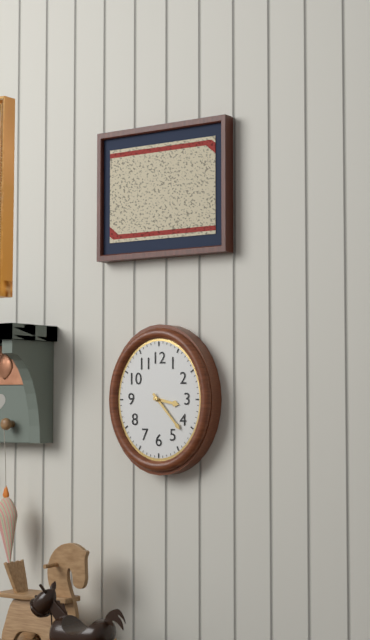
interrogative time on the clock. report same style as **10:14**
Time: **3:23**
